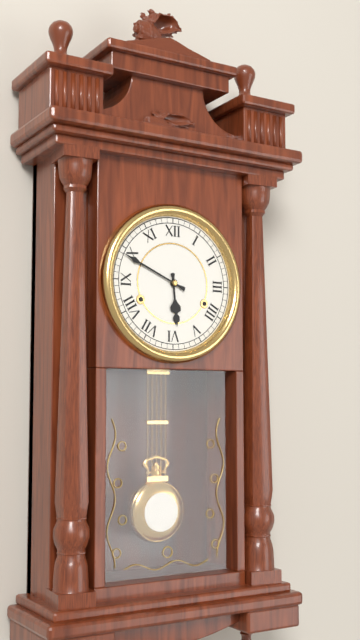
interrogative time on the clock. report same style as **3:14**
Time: **5:49**
